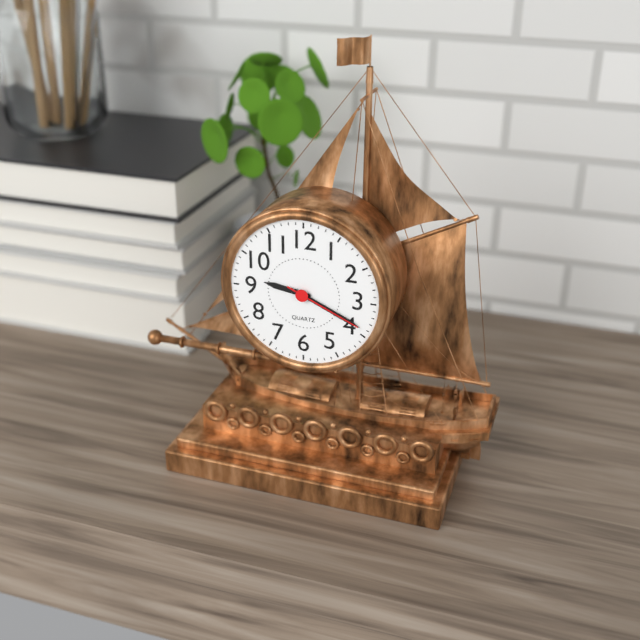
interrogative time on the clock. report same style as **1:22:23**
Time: **9:19:19**
